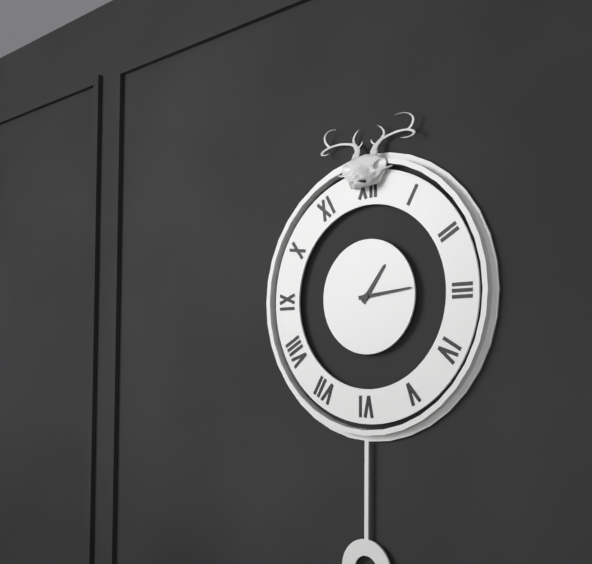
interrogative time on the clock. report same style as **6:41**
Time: **1:14**
